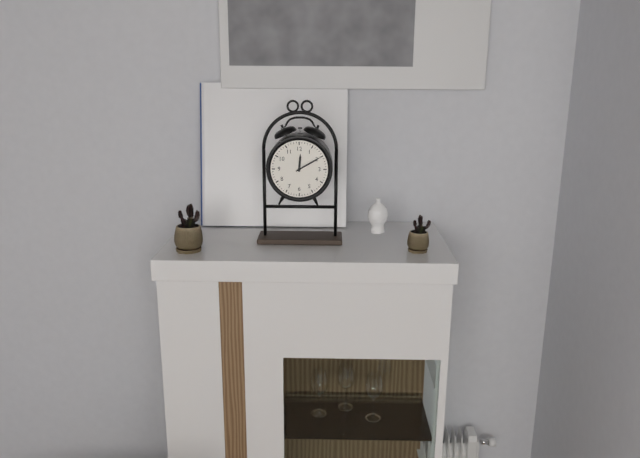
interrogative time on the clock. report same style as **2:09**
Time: **12:10**
